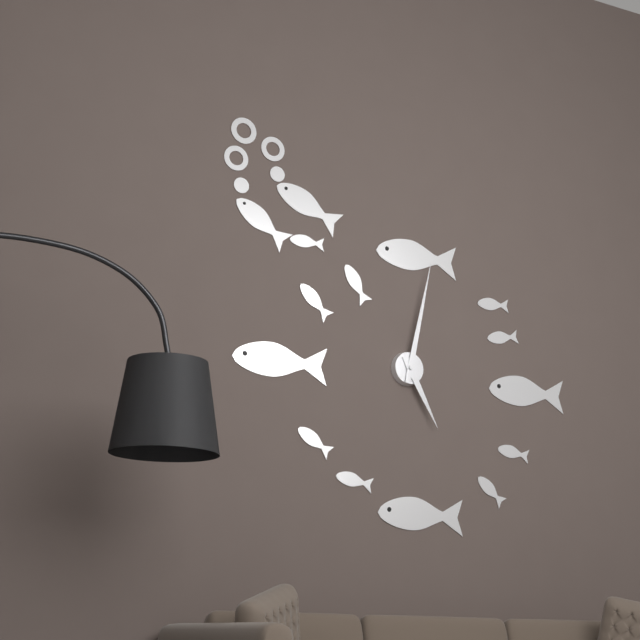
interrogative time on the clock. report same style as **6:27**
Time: **5:02**
